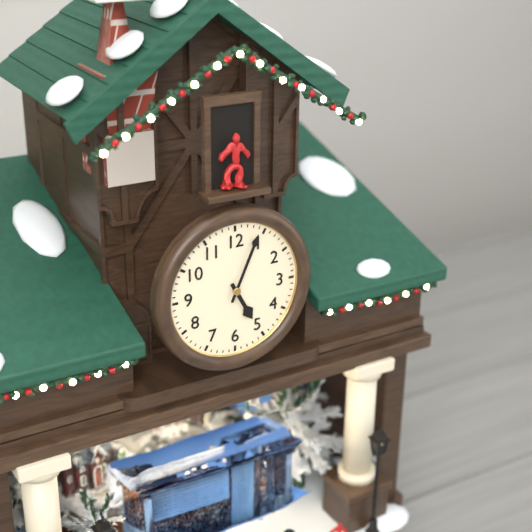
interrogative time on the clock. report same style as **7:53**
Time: **5:04**
